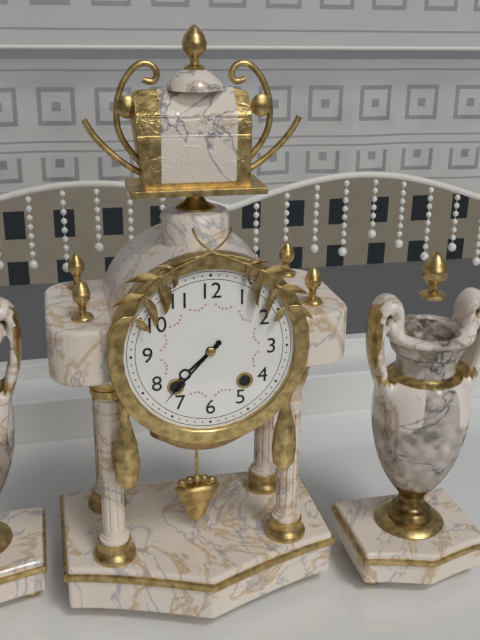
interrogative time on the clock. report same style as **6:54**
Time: **7:37**
